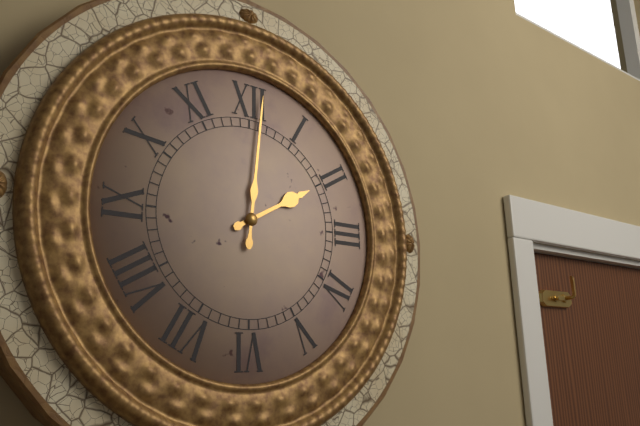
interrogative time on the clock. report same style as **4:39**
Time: **2:01**
